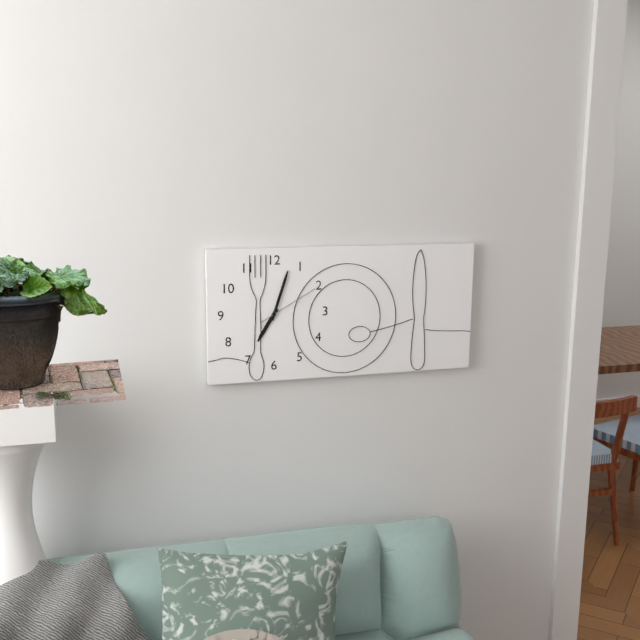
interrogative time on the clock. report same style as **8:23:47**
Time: **7:03:10**
